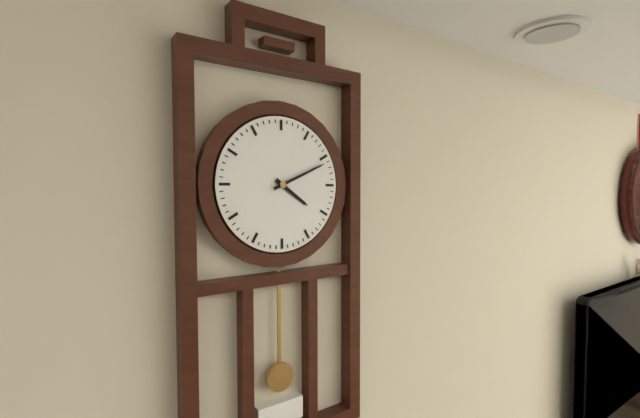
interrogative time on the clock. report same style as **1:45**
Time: **4:11**
